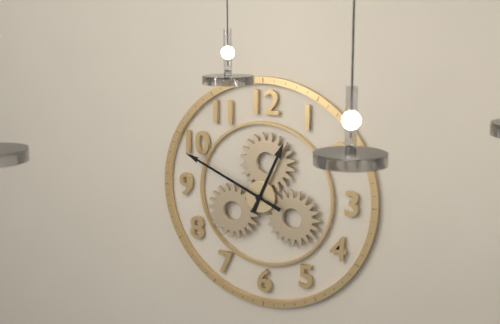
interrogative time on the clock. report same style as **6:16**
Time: **12:49**
